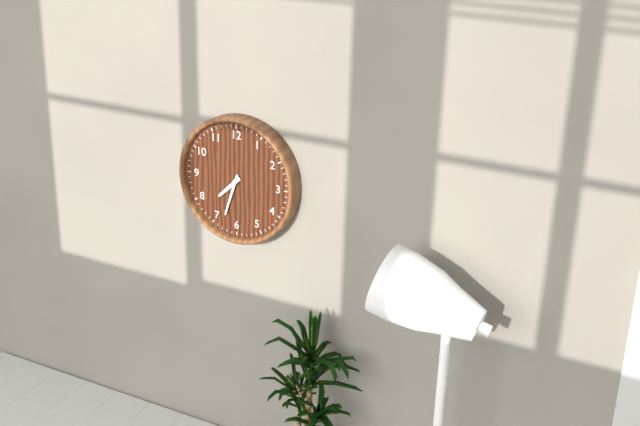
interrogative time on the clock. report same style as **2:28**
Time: **7:33**
